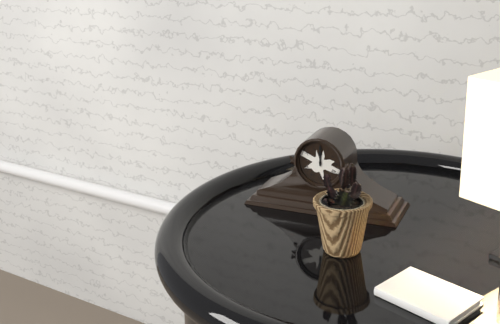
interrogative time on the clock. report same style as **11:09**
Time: **12:00**
